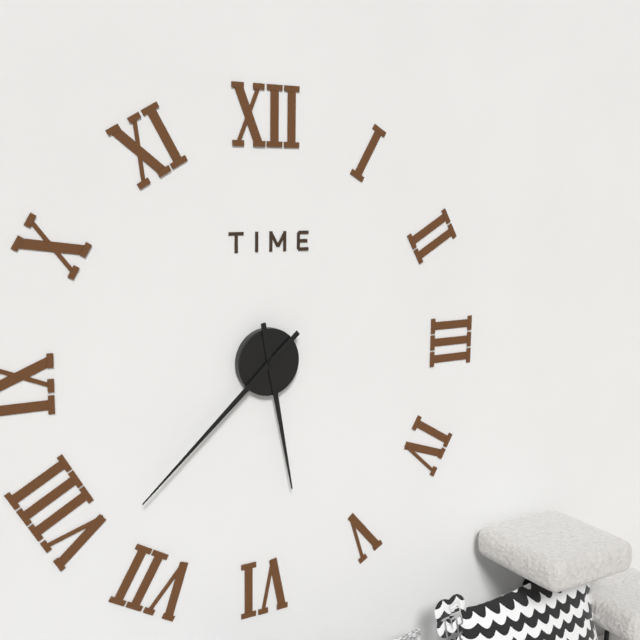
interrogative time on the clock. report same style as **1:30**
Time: **5:38**
